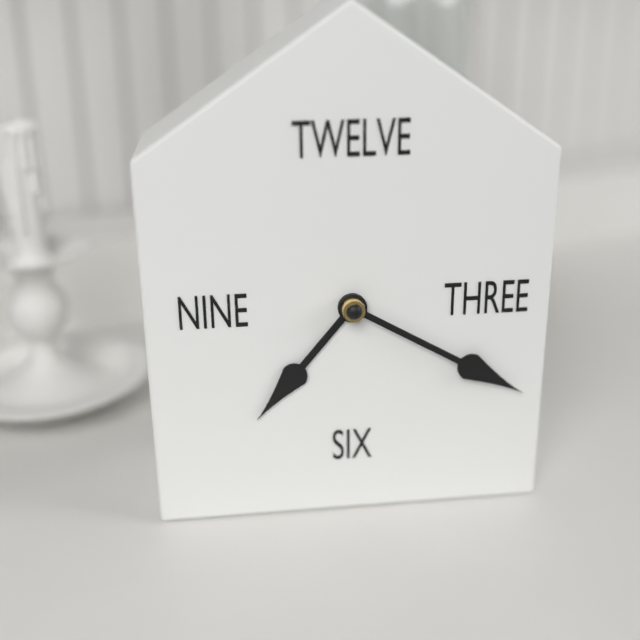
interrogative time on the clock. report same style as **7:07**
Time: **7:20**
